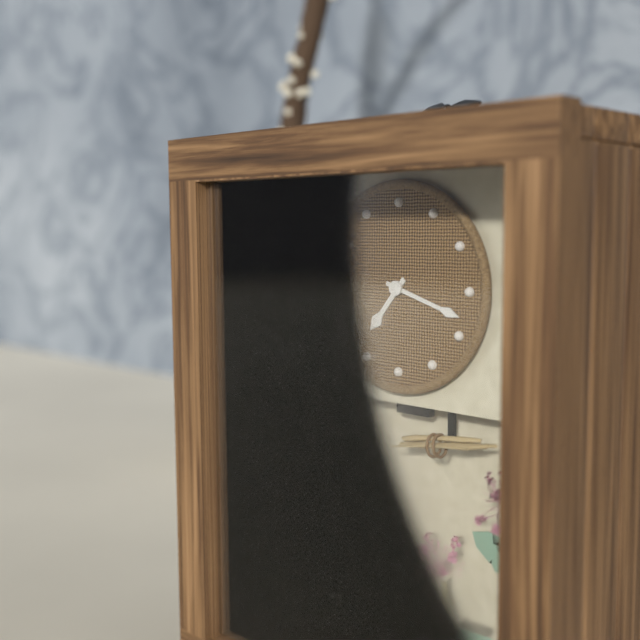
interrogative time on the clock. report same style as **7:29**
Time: **7:18**
